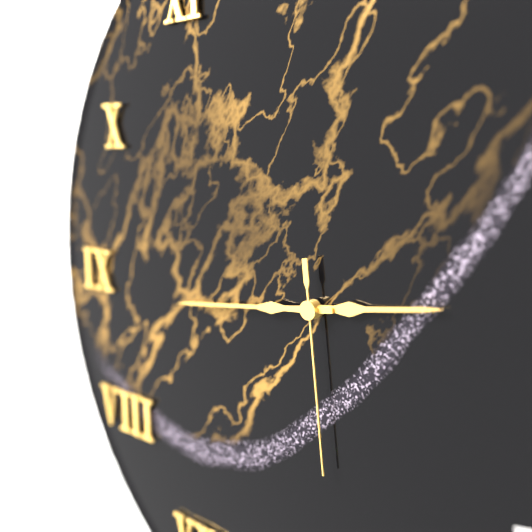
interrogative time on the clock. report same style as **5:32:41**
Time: **2:44:29**
